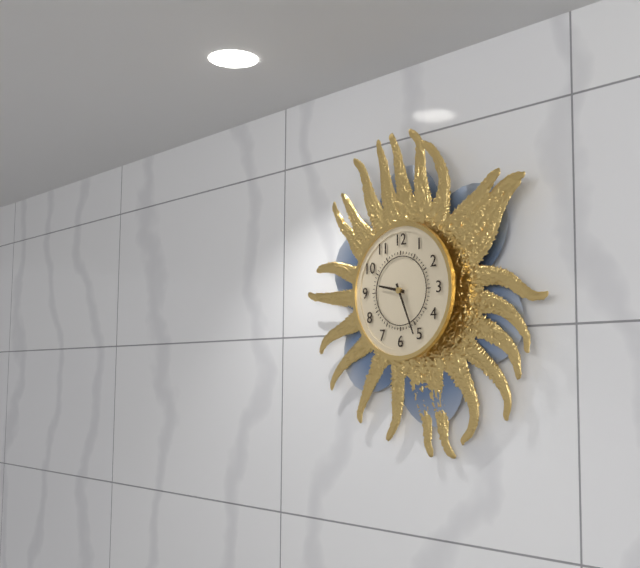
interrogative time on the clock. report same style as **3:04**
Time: **9:26**
